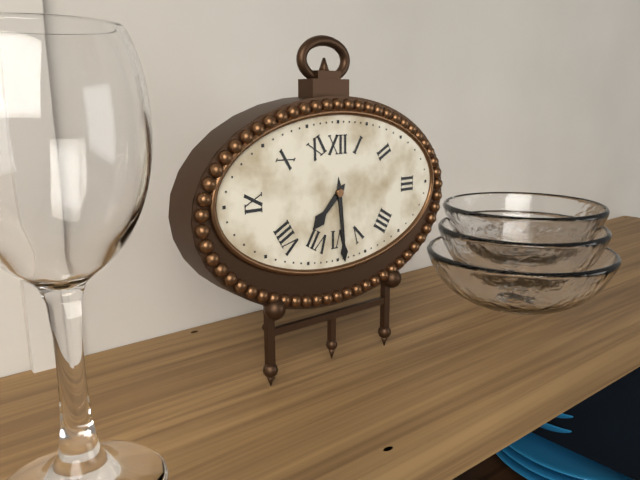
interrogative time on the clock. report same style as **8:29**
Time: **7:29**
